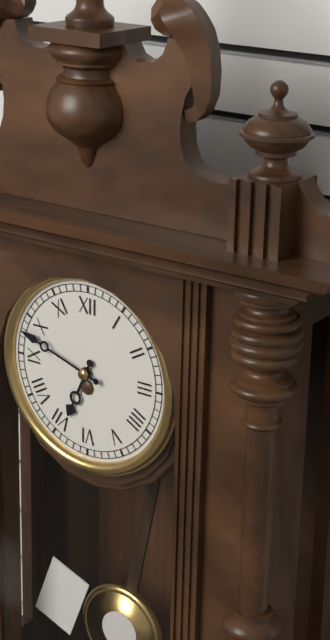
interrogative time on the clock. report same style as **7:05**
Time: **6:48**
